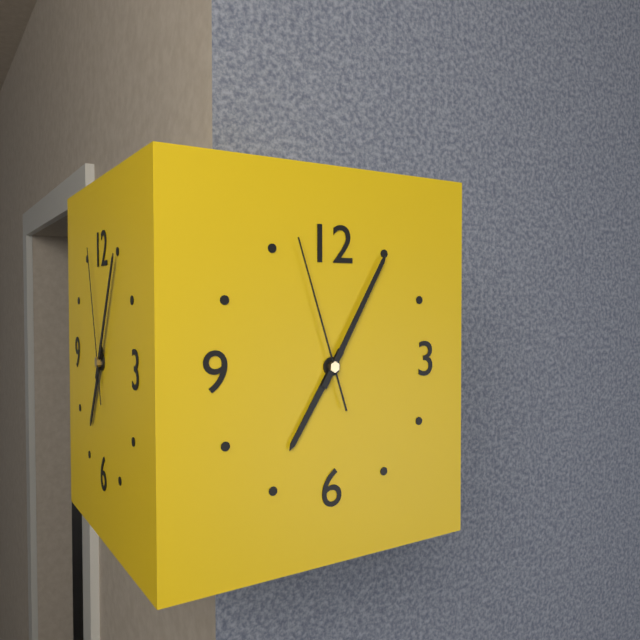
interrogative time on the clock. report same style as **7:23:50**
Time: **7:05:57**
